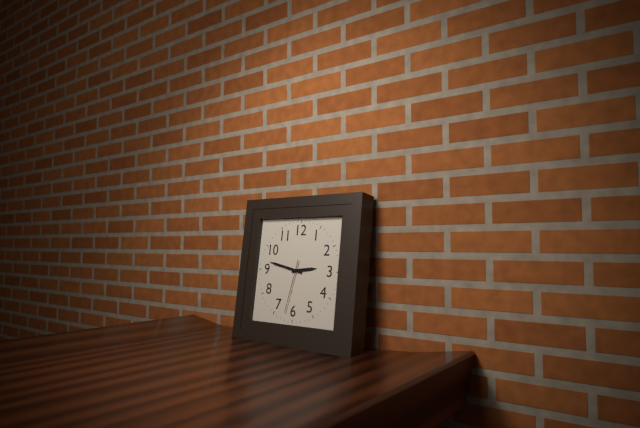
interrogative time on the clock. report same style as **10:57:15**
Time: **2:47:32**
